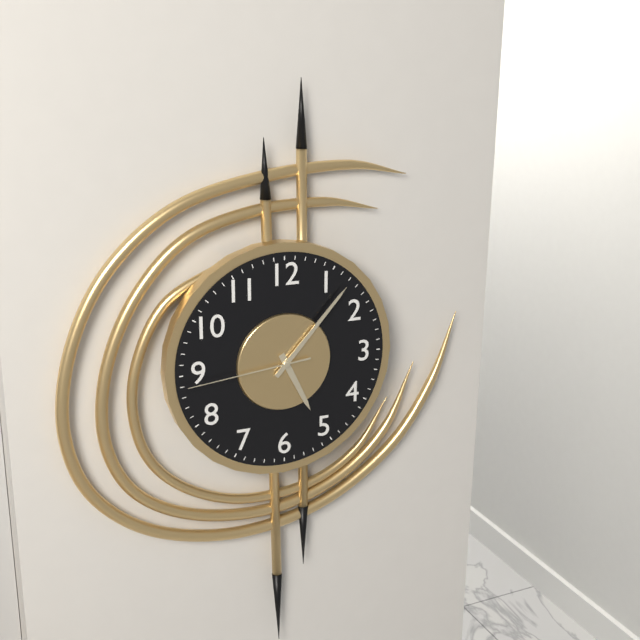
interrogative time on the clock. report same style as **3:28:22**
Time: **5:07:44**
